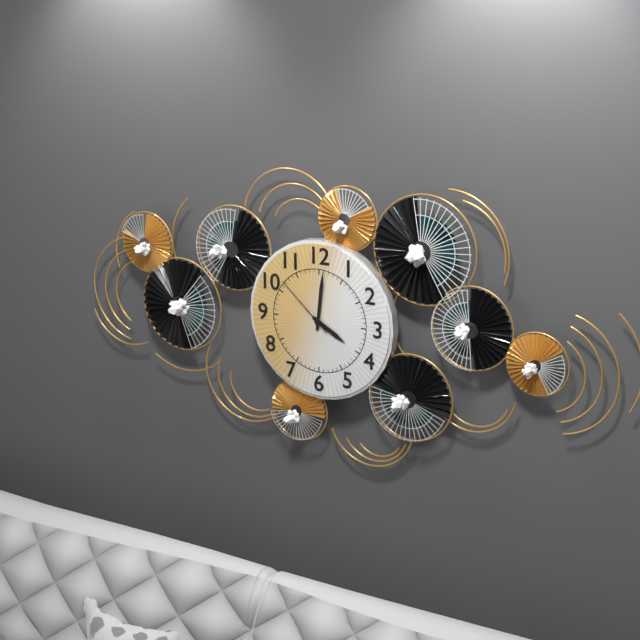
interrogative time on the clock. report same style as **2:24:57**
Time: **4:01:52**
